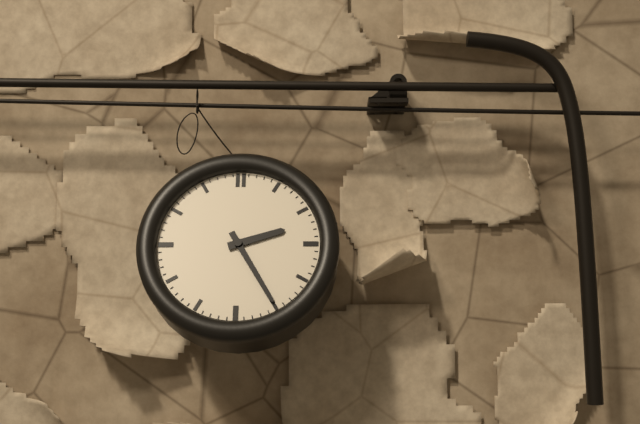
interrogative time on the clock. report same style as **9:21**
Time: **2:25**
